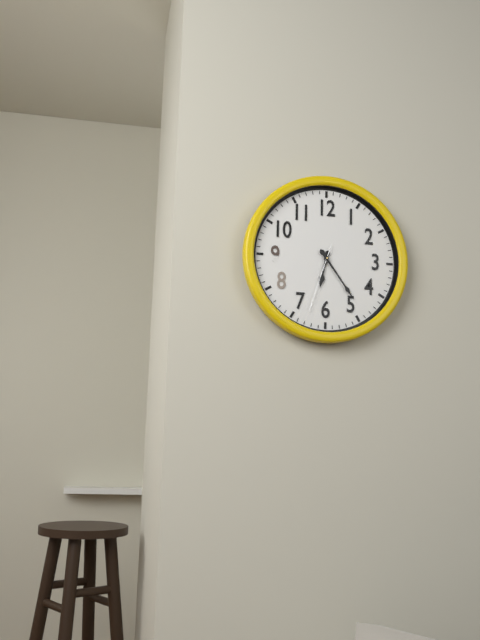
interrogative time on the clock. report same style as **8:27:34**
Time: **6:24:33**
